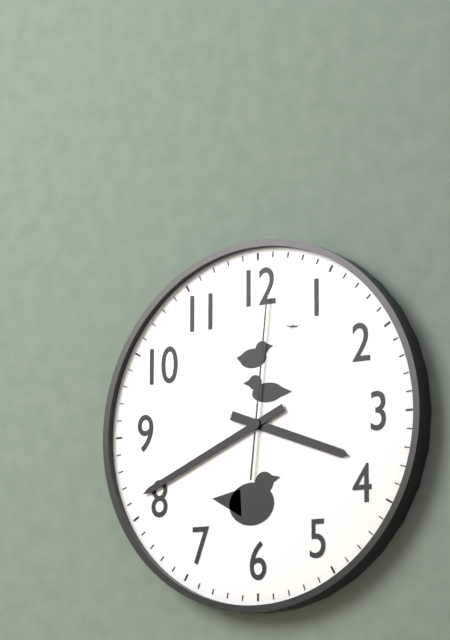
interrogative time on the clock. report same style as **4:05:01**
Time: **3:41:01**
